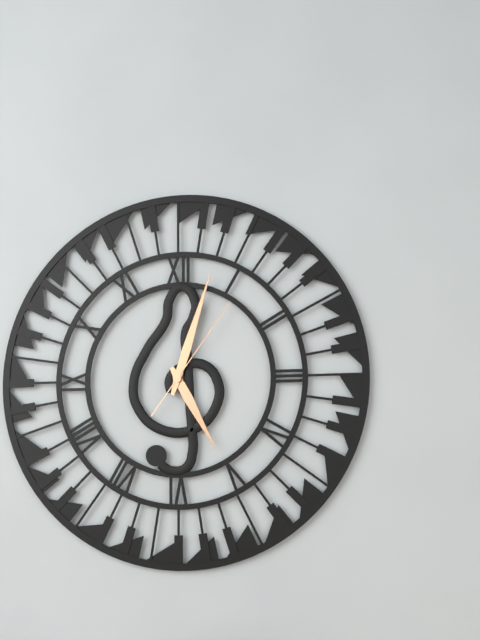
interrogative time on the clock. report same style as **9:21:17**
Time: **5:03:06**
